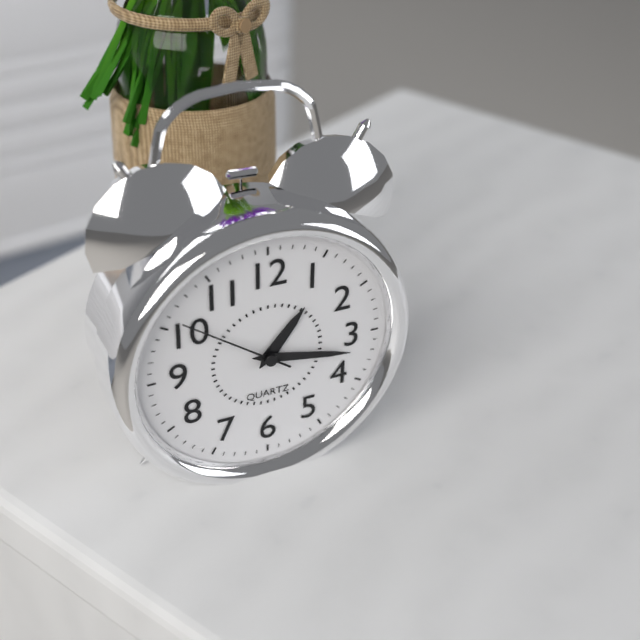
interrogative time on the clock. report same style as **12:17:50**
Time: **1:17:51**
